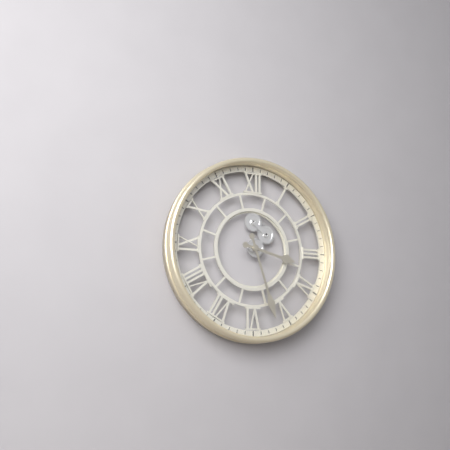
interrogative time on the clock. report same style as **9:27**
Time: **3:27**
